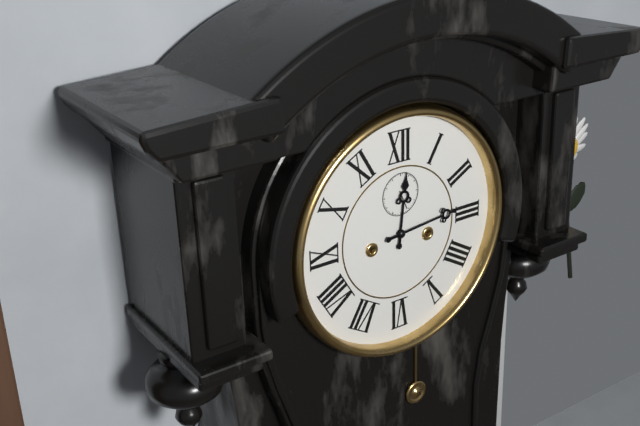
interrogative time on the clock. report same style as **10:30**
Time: **12:14**
